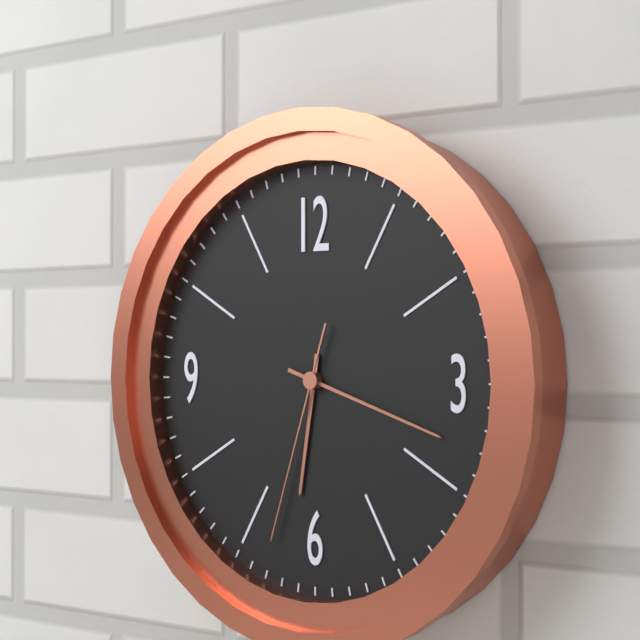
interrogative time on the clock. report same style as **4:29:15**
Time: **6:18:33**
